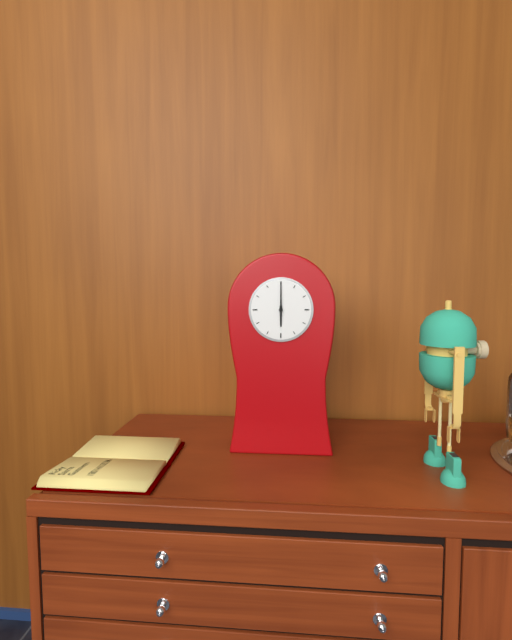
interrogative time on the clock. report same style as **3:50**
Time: **6:00**
